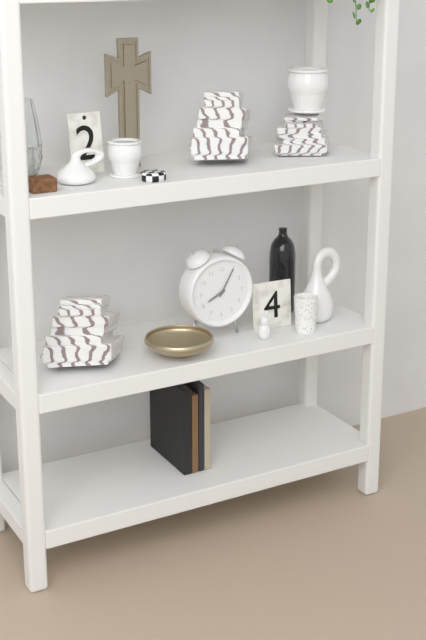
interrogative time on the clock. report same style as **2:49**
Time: **8:05**
